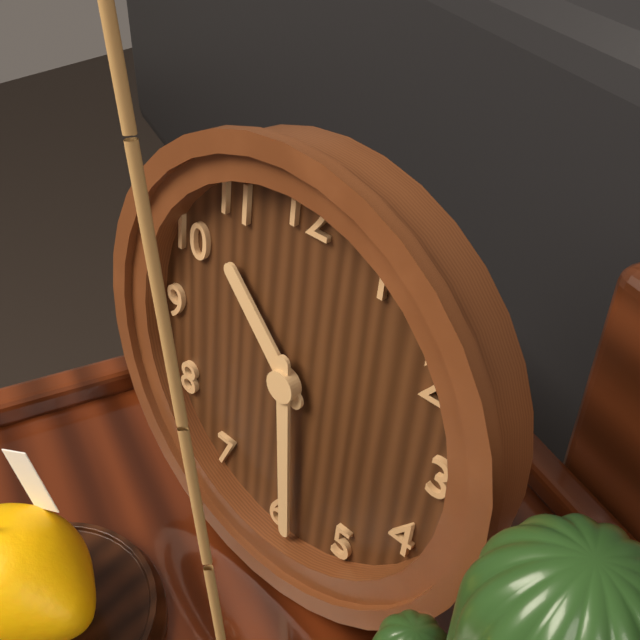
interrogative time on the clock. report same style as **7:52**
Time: **10:29**
